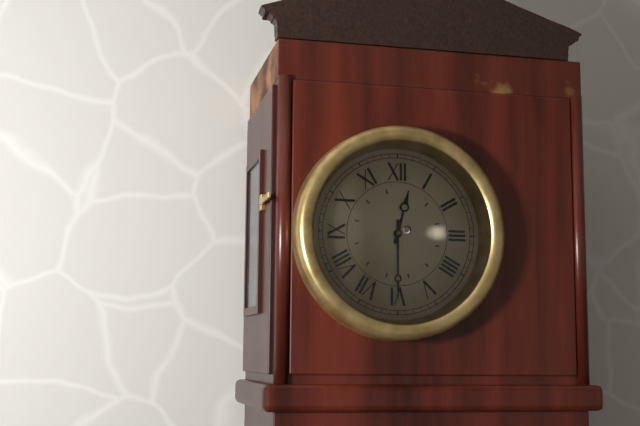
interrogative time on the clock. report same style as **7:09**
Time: **12:30**
